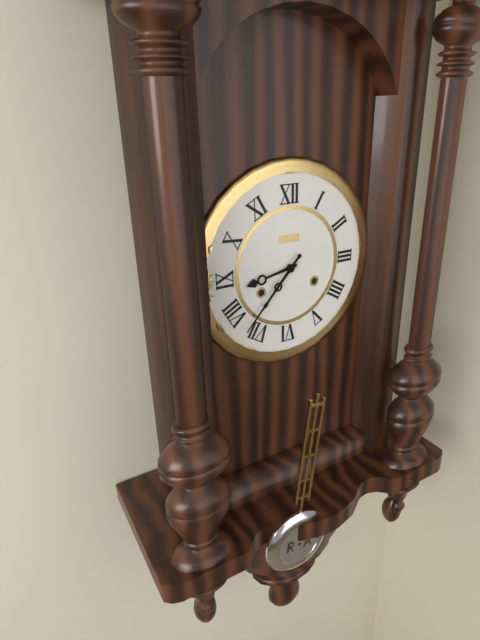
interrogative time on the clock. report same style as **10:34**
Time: **8:37**
